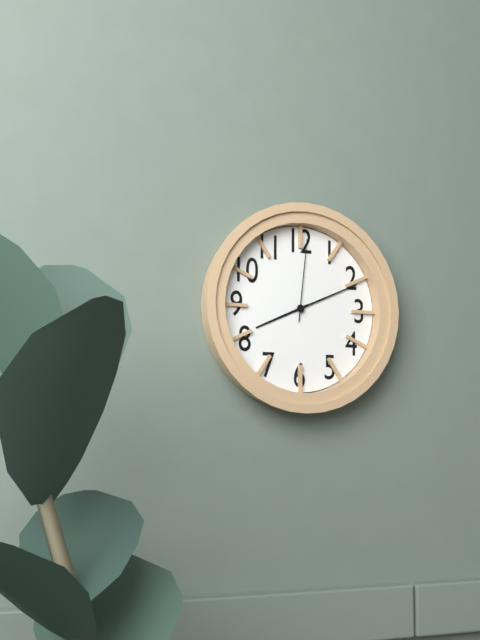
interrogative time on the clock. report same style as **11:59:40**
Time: **8:11:01**
